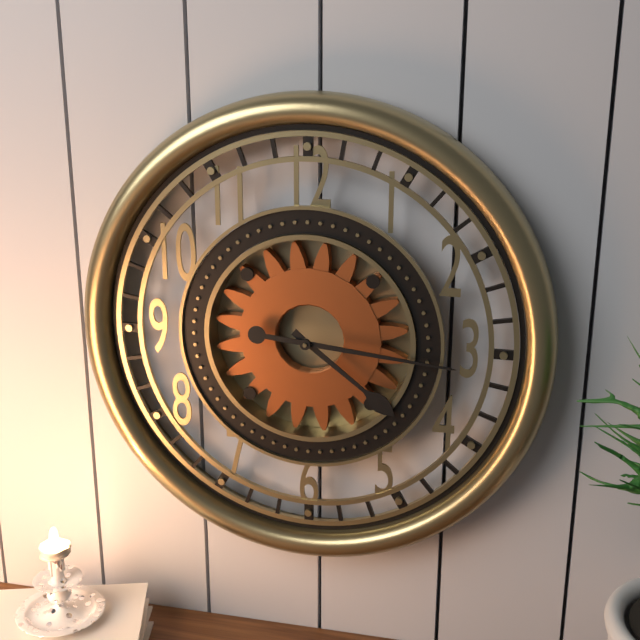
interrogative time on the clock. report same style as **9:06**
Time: **4:16**
